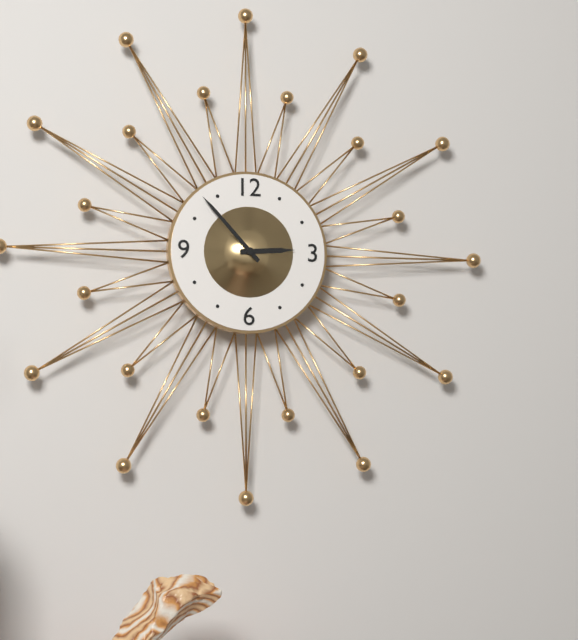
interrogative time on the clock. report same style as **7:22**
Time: **2:53**
